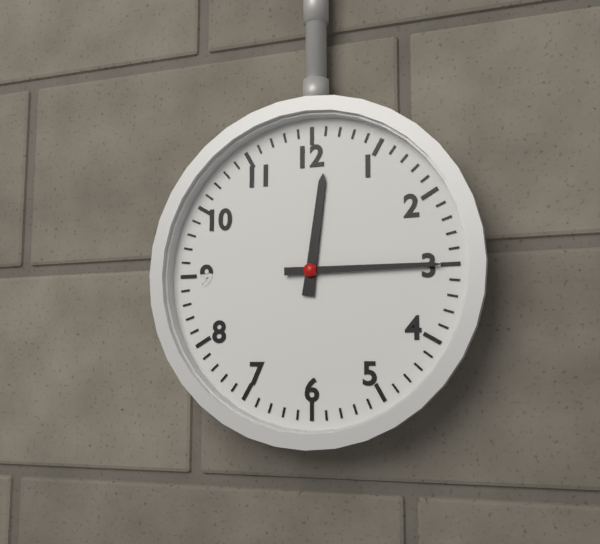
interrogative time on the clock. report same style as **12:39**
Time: **12:15**
